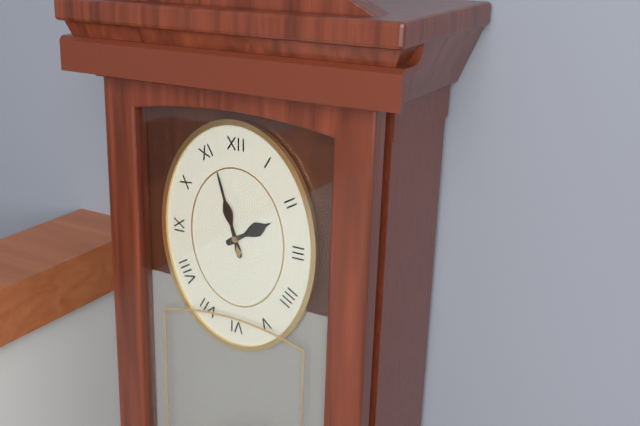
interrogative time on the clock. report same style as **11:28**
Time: **1:57**
